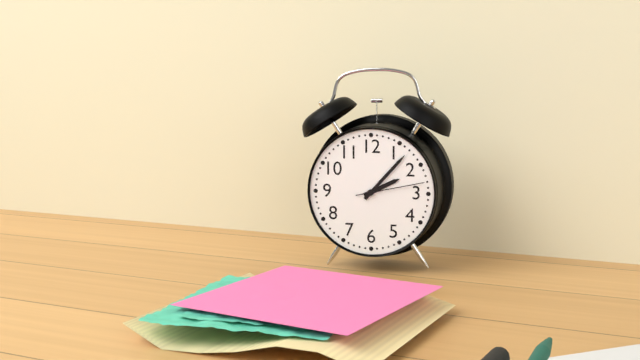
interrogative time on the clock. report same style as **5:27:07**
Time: **2:07:13**
